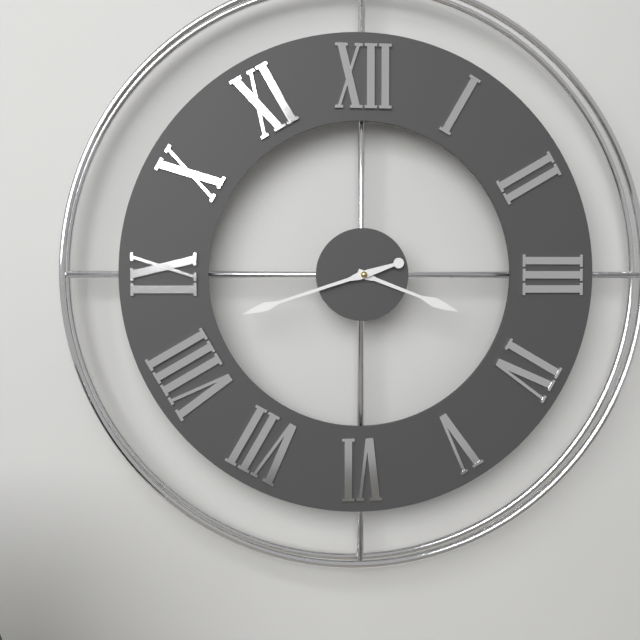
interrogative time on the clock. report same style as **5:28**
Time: **3:42**
